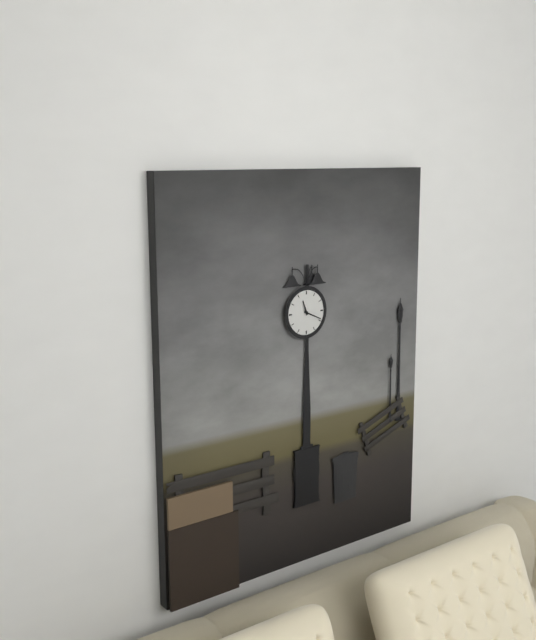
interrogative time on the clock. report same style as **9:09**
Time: **11:19**
